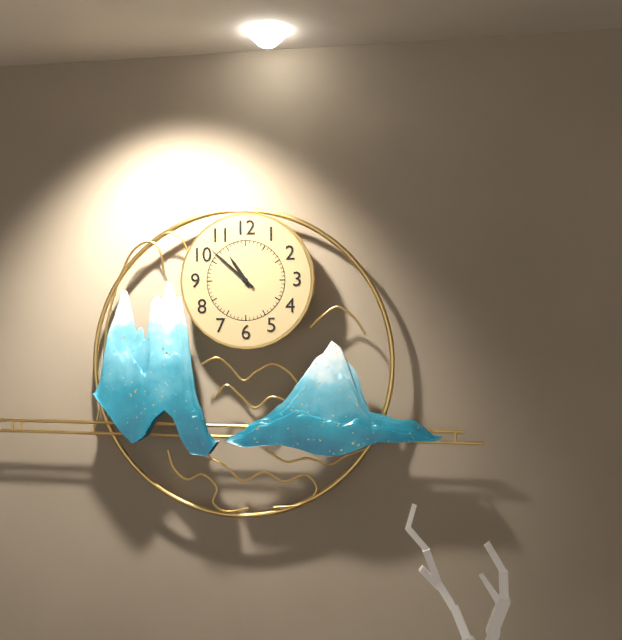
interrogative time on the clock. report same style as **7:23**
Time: **10:52**
